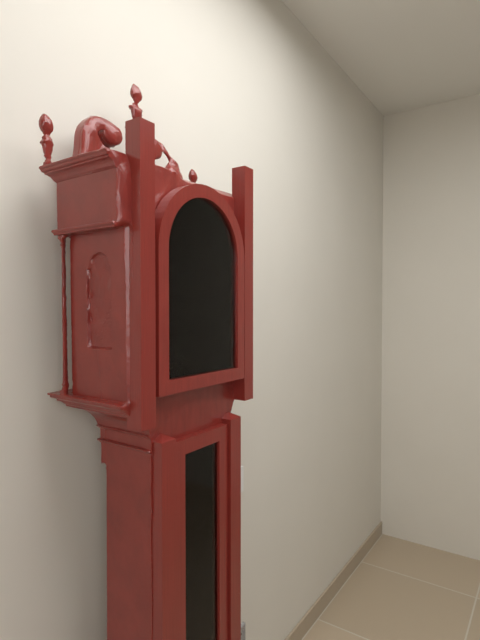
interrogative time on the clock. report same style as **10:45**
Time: **1:50**
